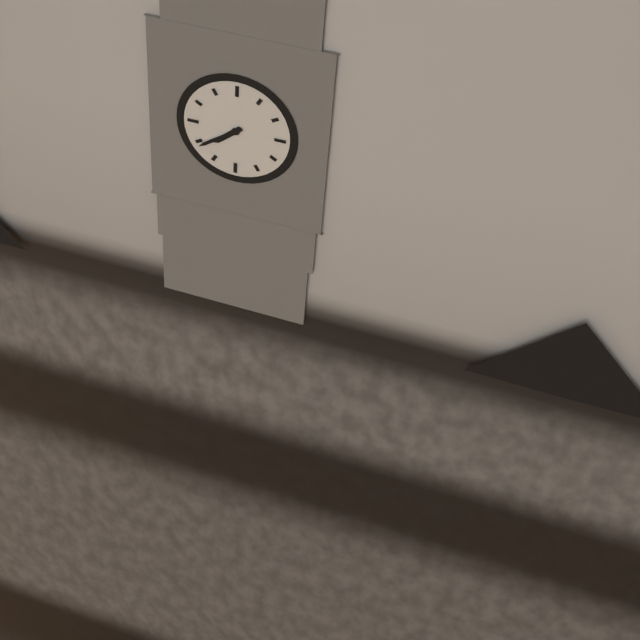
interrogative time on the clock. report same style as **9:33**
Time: **7:39**
